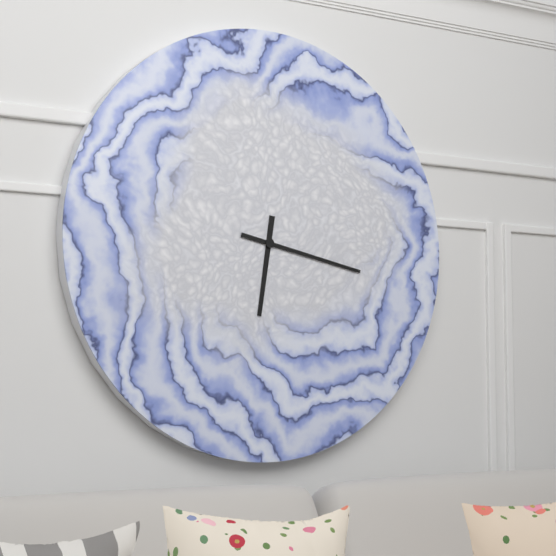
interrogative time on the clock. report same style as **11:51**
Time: **6:17**
